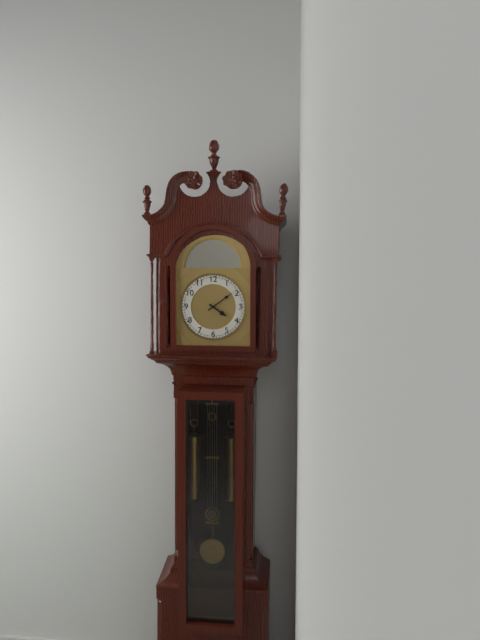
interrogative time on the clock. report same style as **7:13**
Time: **4:09**
